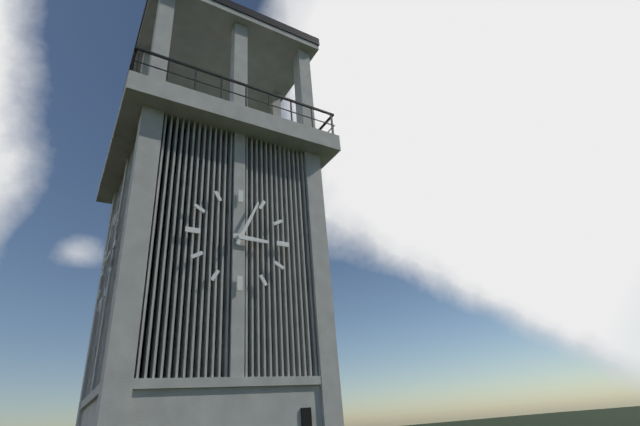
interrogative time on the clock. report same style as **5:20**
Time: **3:04**
